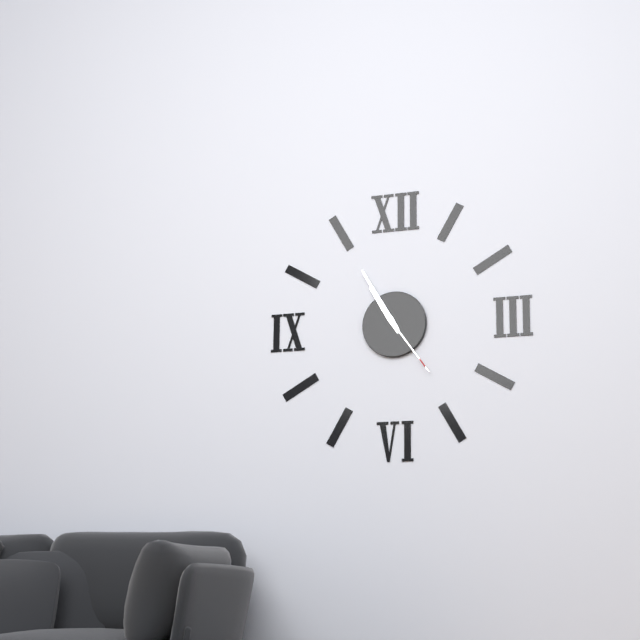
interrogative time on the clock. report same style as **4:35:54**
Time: **10:55:24**
